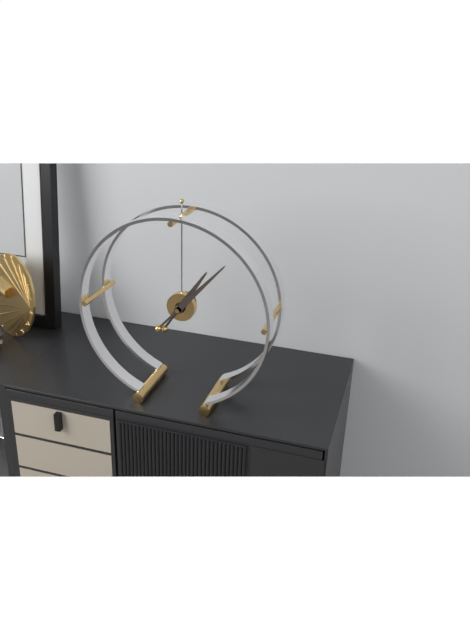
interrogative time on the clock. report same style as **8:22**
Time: **1:07**
